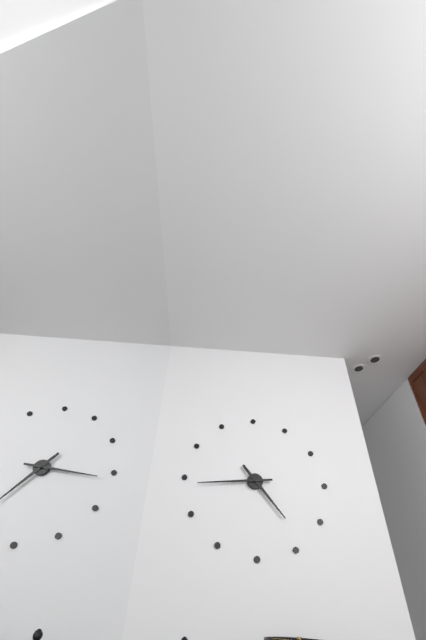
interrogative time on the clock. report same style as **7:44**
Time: **4:44**
